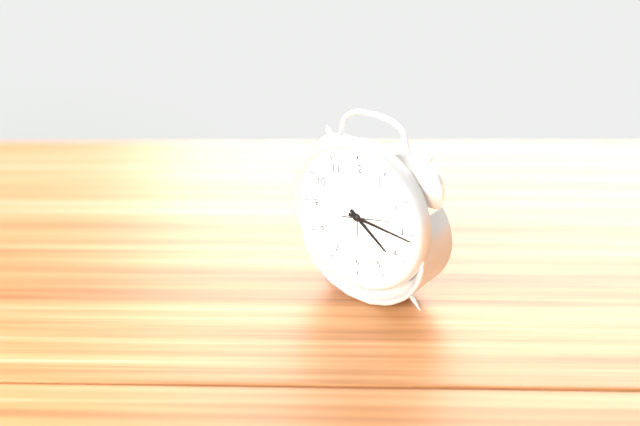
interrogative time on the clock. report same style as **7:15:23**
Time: **4:16:13**
